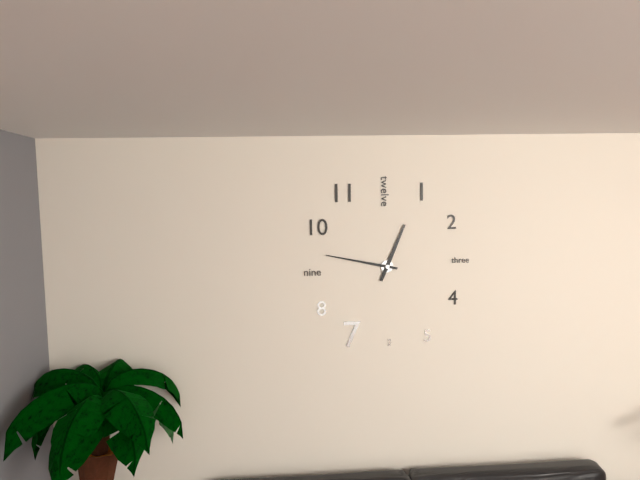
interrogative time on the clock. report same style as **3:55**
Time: **12:47**
